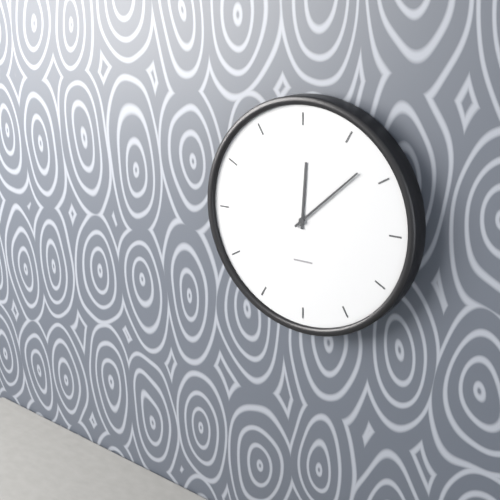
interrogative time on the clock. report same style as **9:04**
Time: **12:08**
